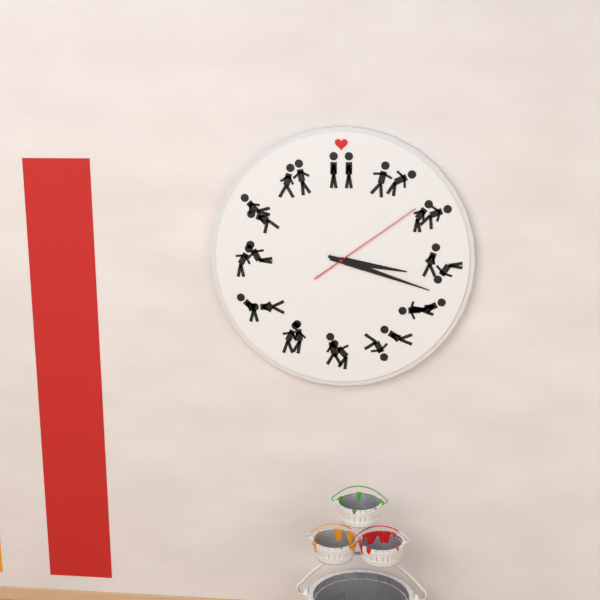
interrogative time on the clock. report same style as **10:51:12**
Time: **3:18:09**
